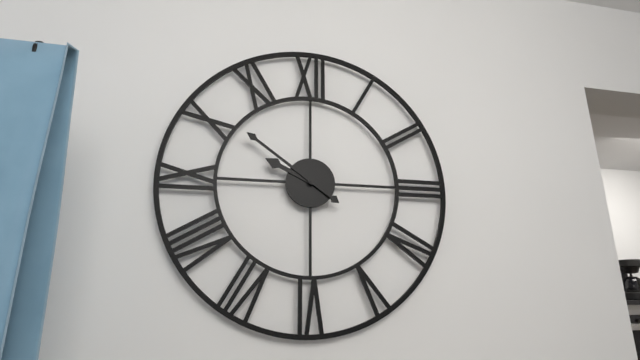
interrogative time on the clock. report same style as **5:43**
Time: **9:51**
